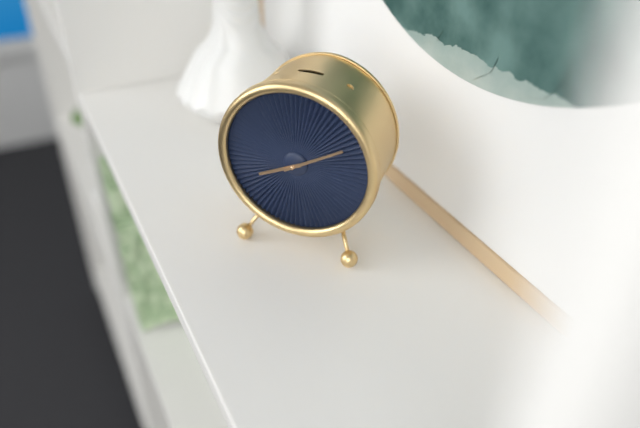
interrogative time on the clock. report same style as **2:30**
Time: **8:10**
